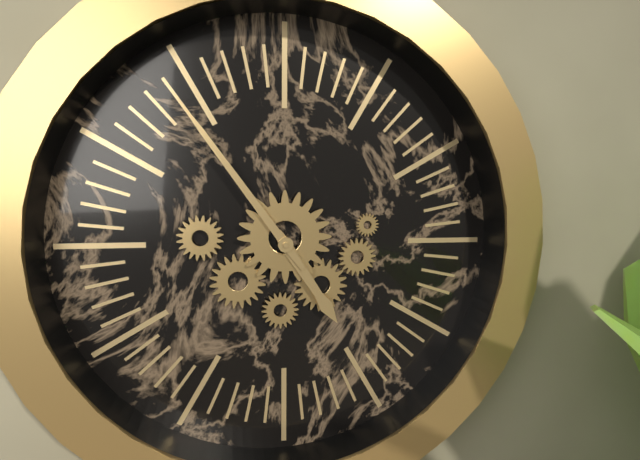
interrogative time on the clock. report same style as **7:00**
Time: **4:54**
